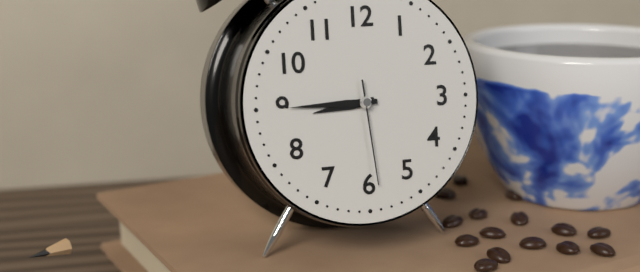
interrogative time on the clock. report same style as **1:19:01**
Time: **8:45:29**
